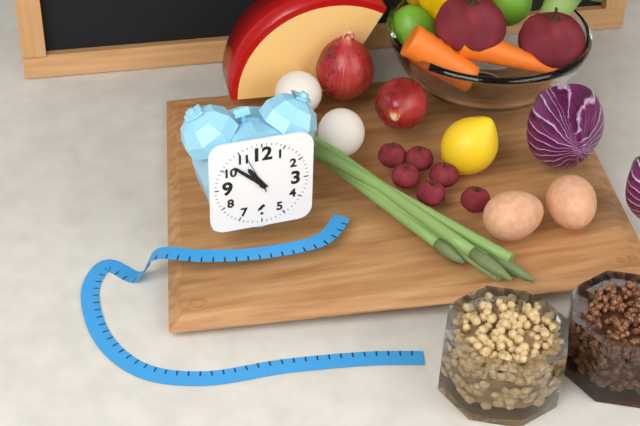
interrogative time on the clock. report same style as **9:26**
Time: **10:52**
